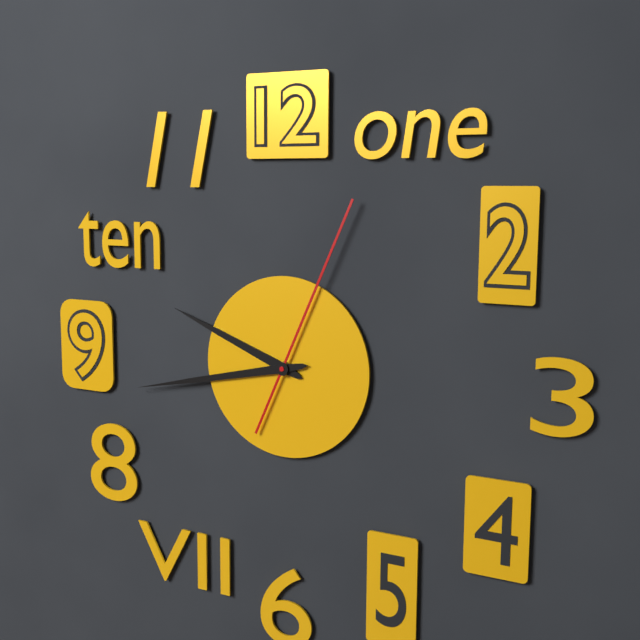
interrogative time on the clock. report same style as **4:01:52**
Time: **9:43:04**
